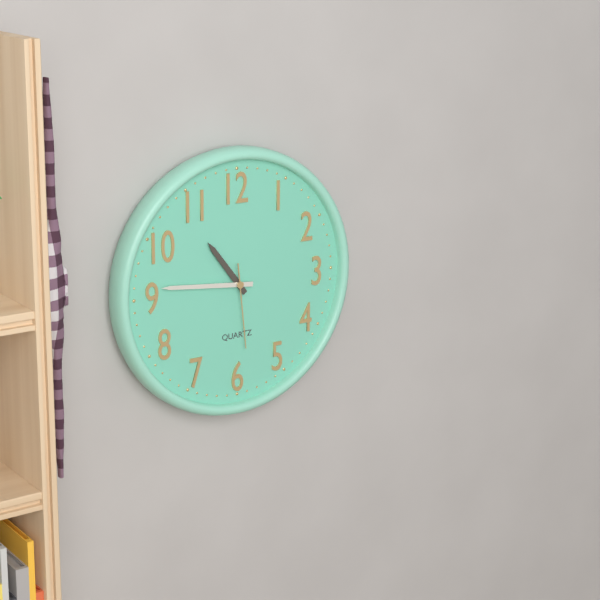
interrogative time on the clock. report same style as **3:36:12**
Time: **10:46:29**
